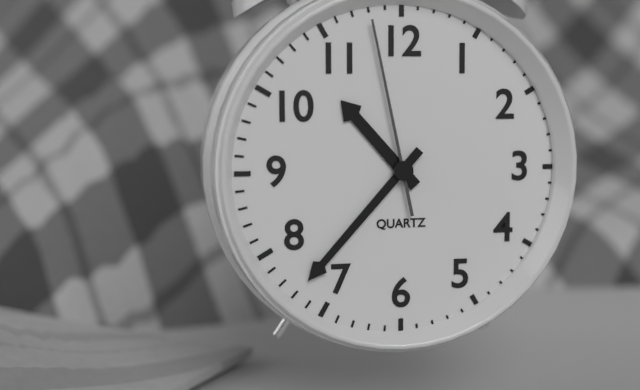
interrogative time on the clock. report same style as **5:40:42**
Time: **10:37:58**
